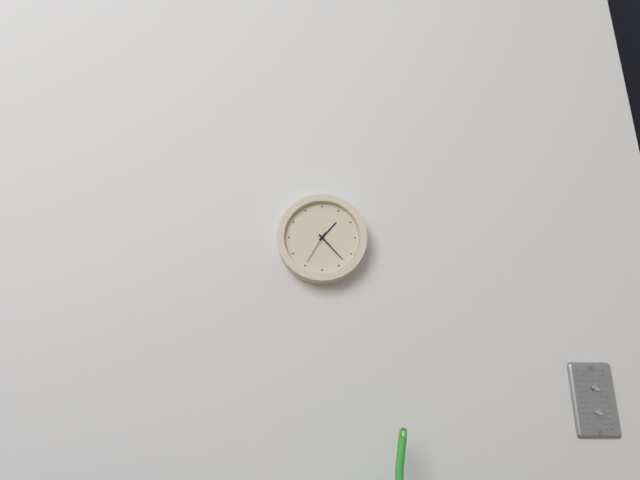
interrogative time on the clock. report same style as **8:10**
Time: **1:23**
